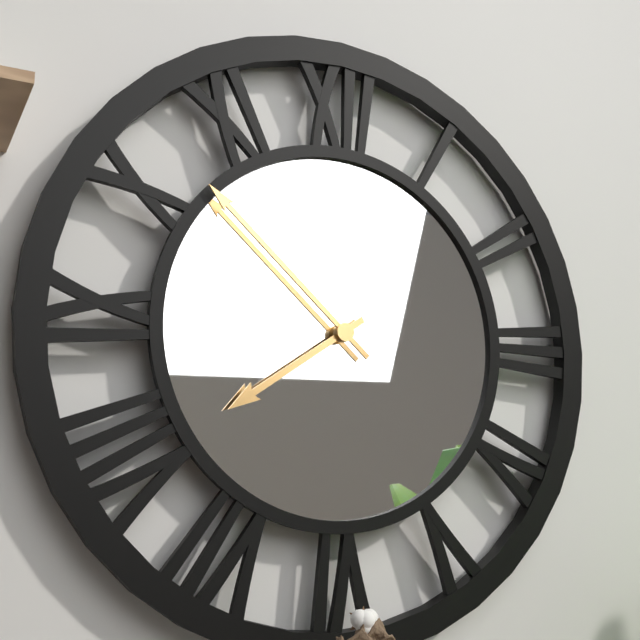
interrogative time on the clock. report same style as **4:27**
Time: **7:52**
